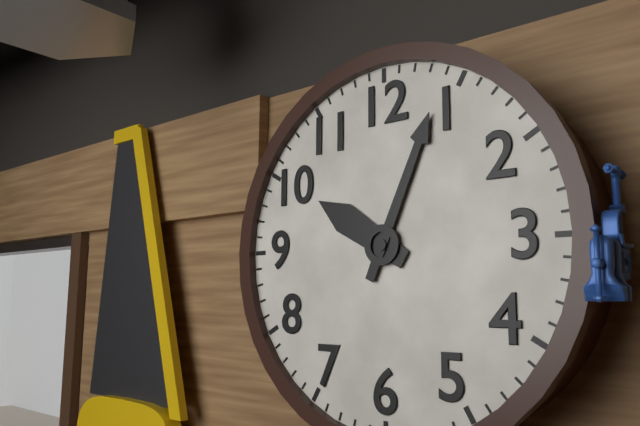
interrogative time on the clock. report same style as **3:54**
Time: **10:04**
